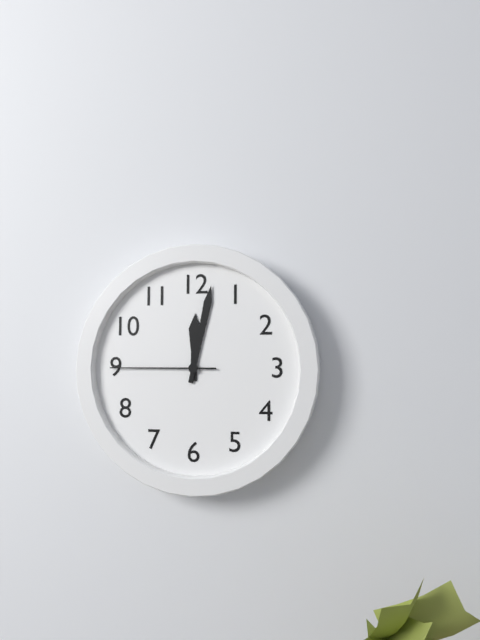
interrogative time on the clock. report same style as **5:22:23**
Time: **12:02:45**
